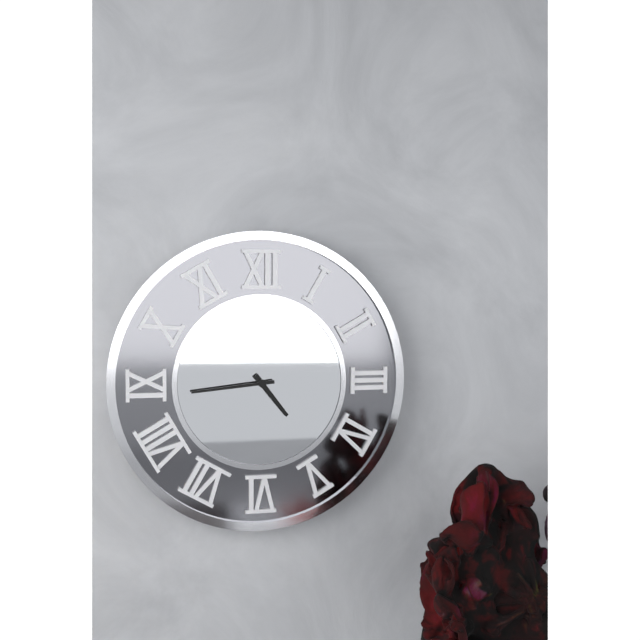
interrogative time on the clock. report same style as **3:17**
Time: **4:44**
